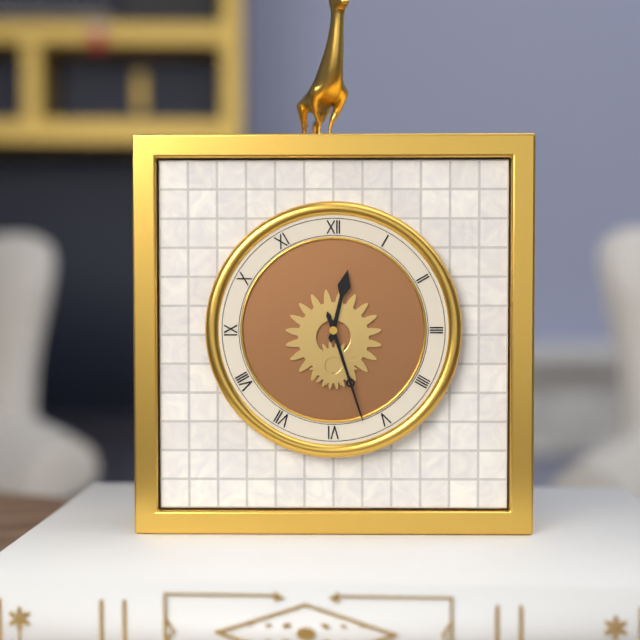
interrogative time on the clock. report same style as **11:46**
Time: **12:27**
